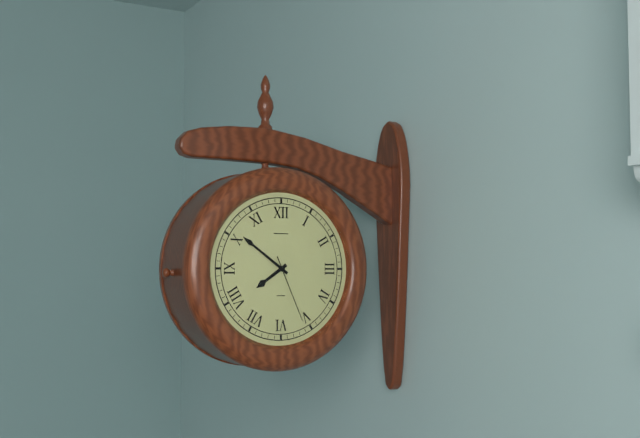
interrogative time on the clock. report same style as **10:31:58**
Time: **7:51:26**
